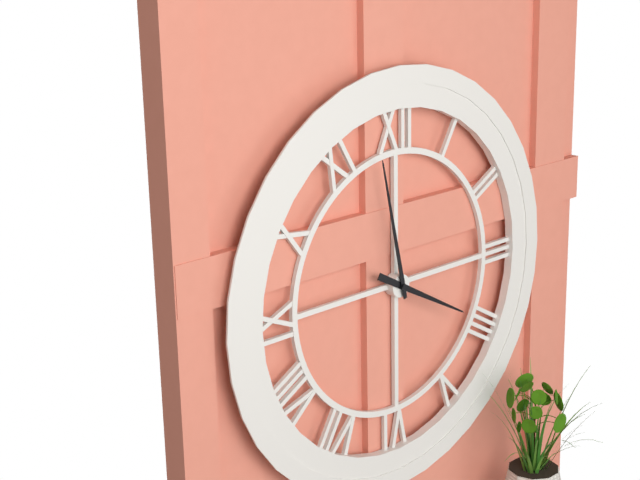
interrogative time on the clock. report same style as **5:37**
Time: **3:58**
